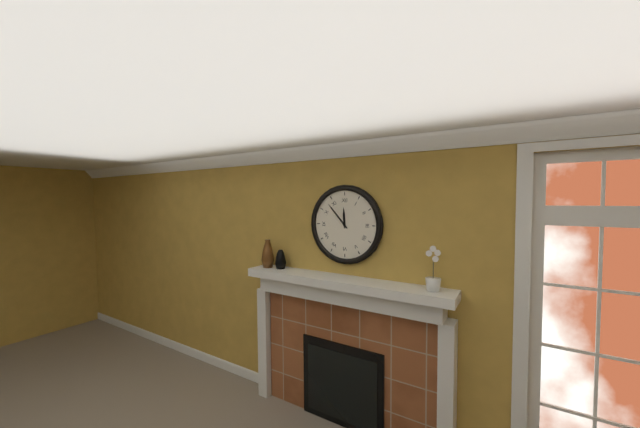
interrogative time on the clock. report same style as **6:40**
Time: **11:53**
